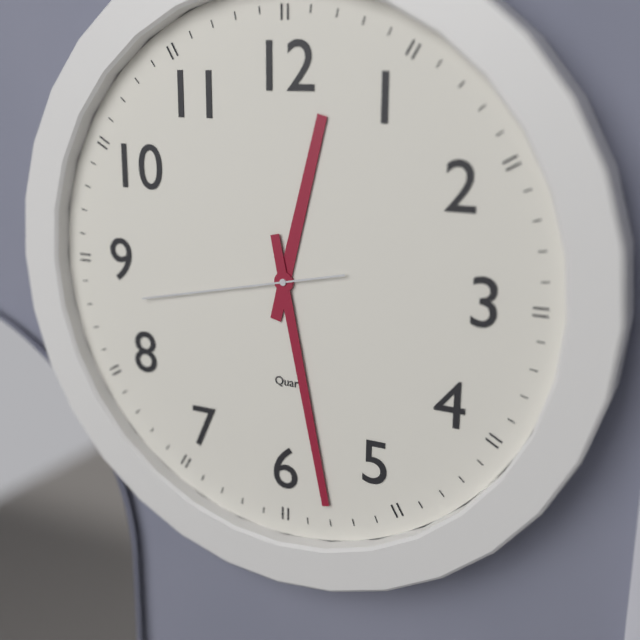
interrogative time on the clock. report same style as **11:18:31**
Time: **12:28:43**
